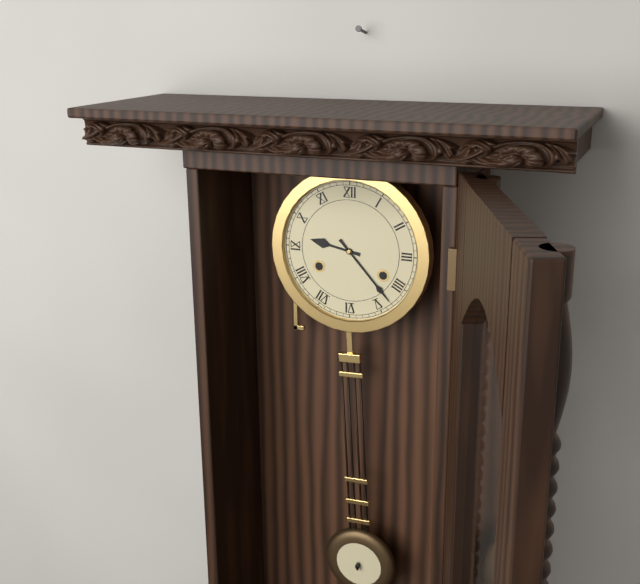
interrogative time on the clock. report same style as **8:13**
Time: **9:23**
